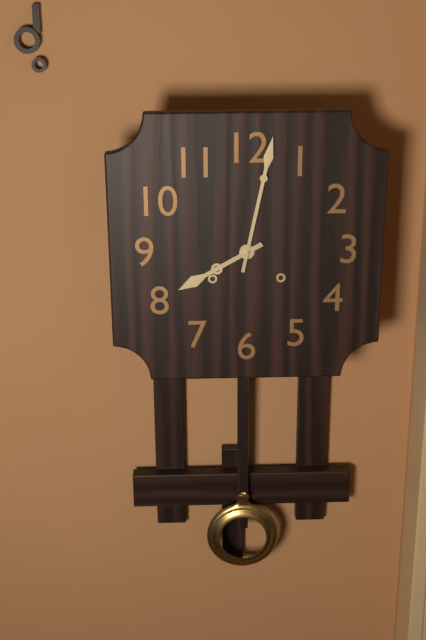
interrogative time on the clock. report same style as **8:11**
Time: **8:02**
